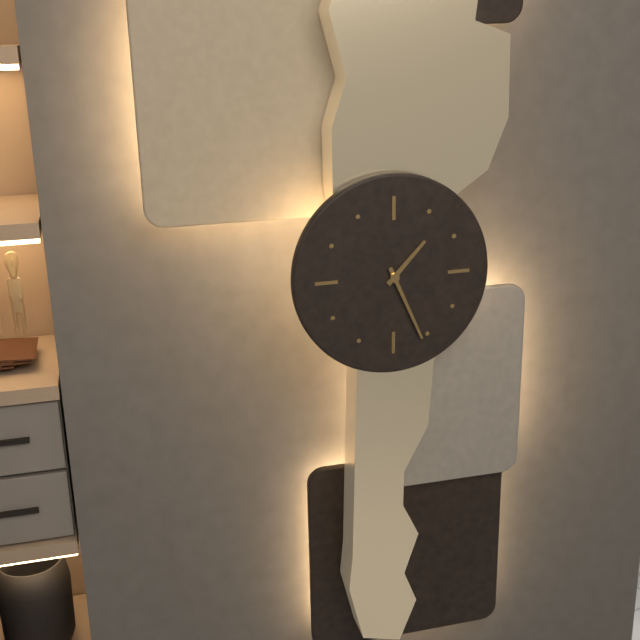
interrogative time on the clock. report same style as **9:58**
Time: **1:26**
